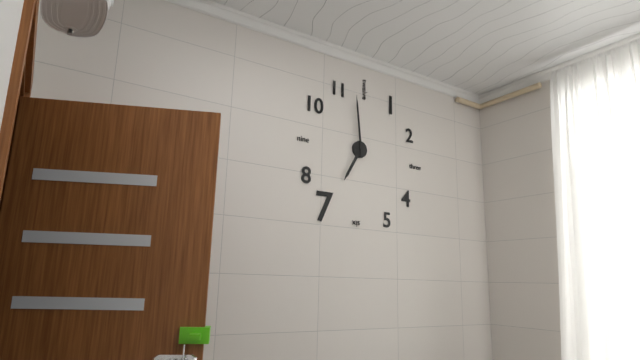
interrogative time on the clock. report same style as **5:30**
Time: **6:59**
